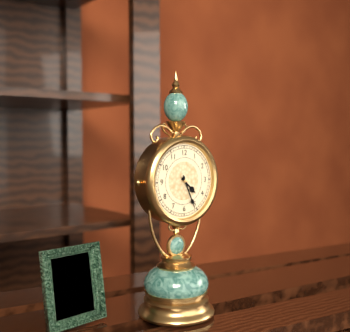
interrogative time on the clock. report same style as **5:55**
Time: **4:26**
